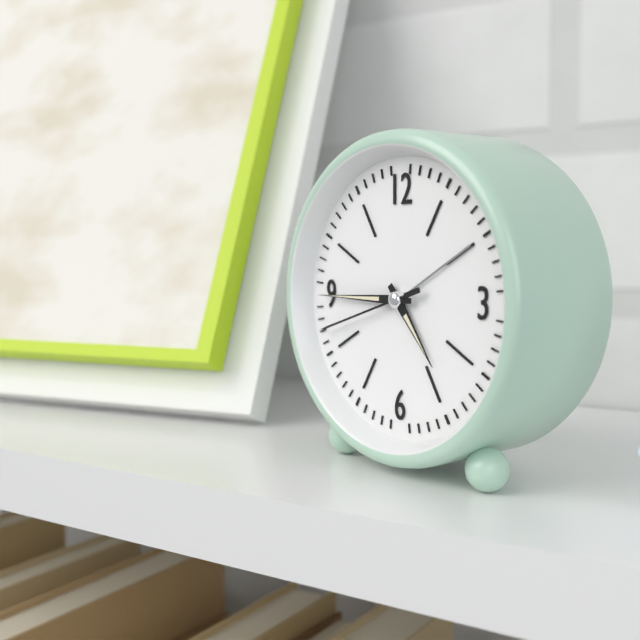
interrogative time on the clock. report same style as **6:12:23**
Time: **4:45:42**
